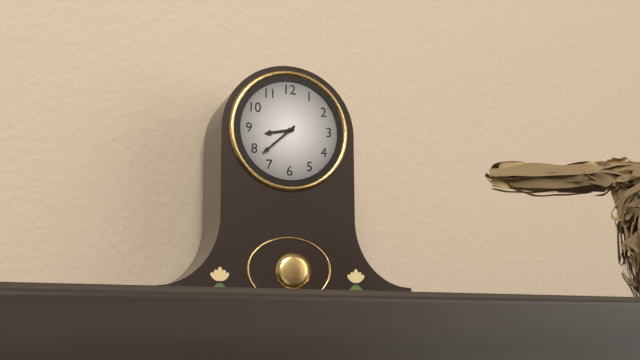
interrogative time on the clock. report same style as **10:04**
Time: **8:38**
